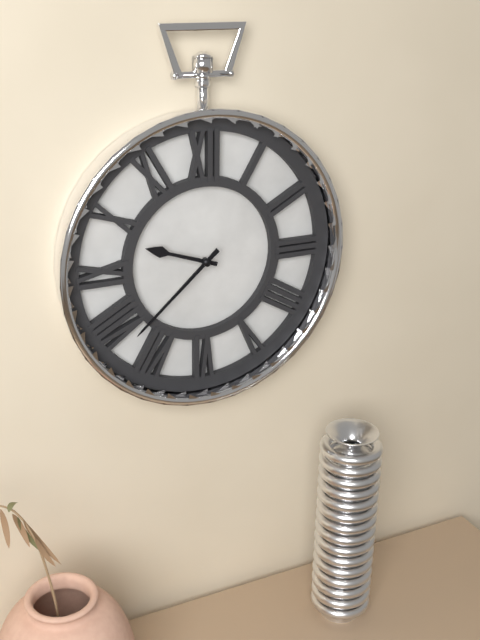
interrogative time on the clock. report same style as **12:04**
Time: **9:38**
